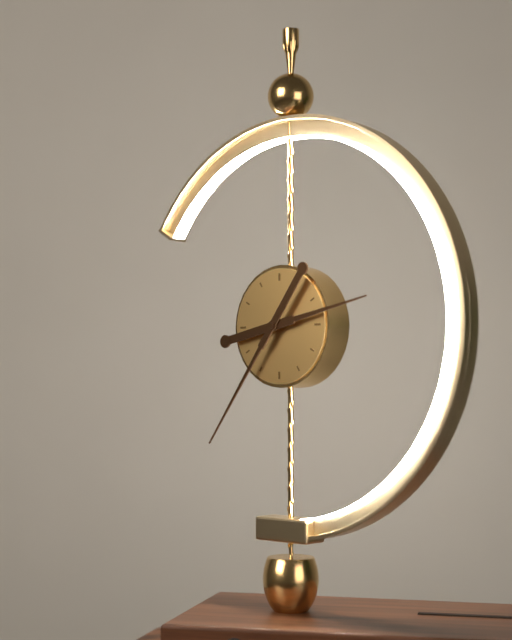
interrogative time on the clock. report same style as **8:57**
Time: **2:36**
